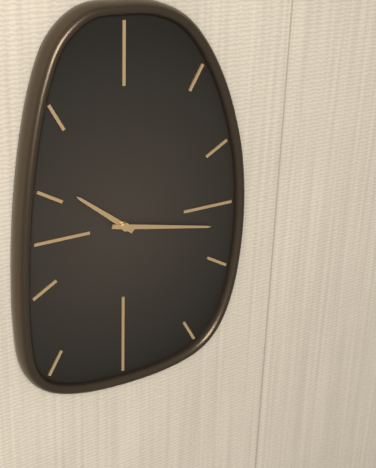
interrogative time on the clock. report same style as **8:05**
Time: **10:17**
